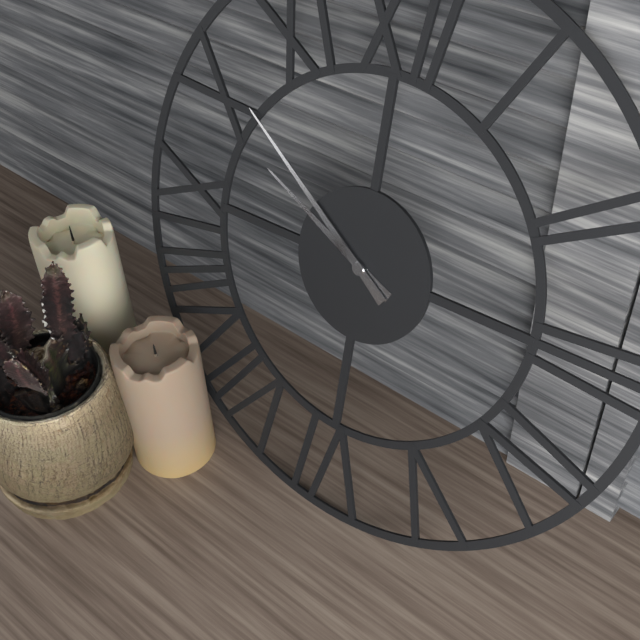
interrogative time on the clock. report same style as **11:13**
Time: **9:51**
